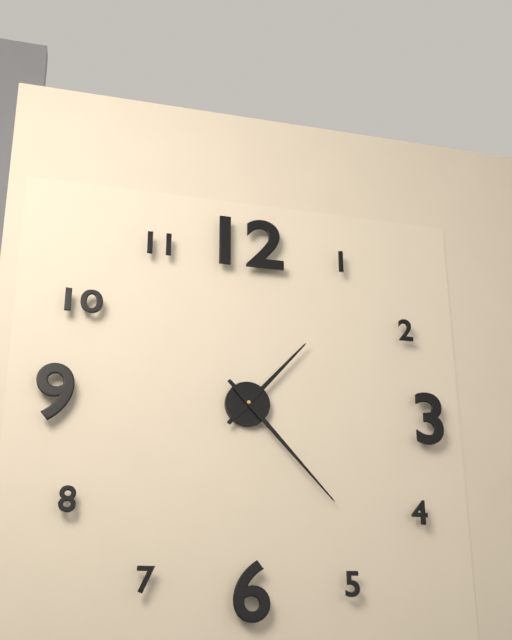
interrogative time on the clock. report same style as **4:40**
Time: **1:23**
